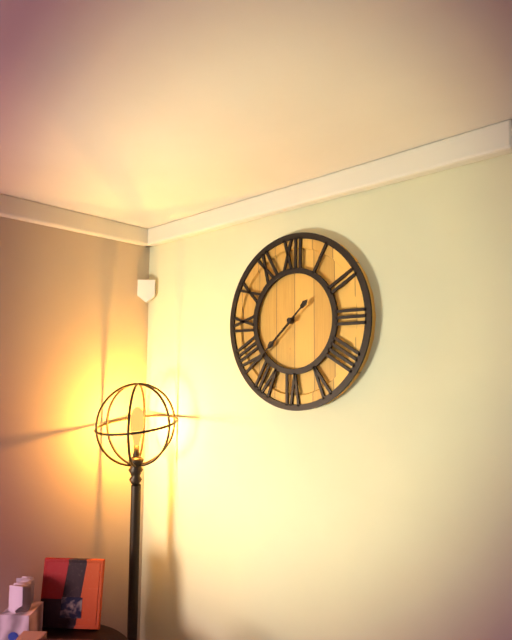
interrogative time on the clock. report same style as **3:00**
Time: **7:38**
